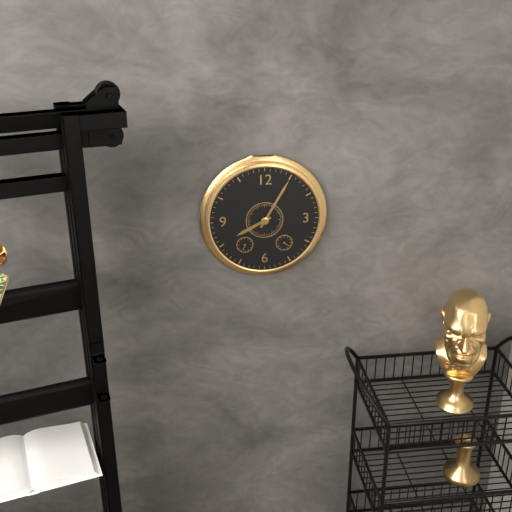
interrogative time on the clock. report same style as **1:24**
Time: **8:05**
